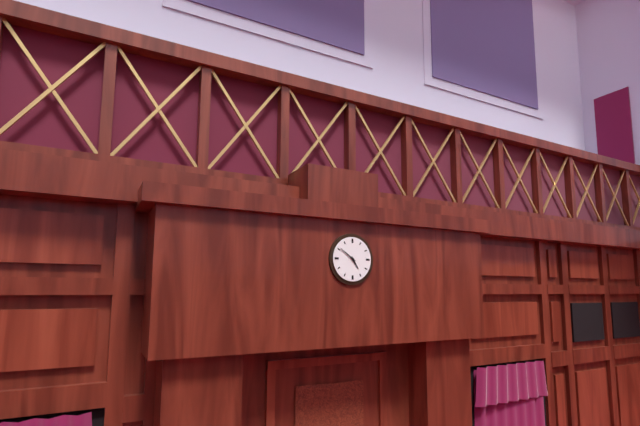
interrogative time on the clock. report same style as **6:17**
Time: **4:51**
